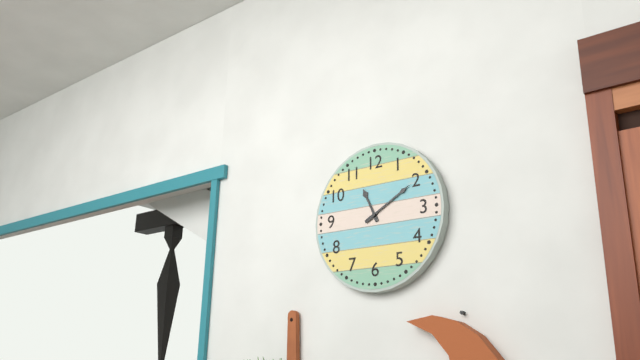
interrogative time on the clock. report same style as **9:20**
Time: **11:10**
